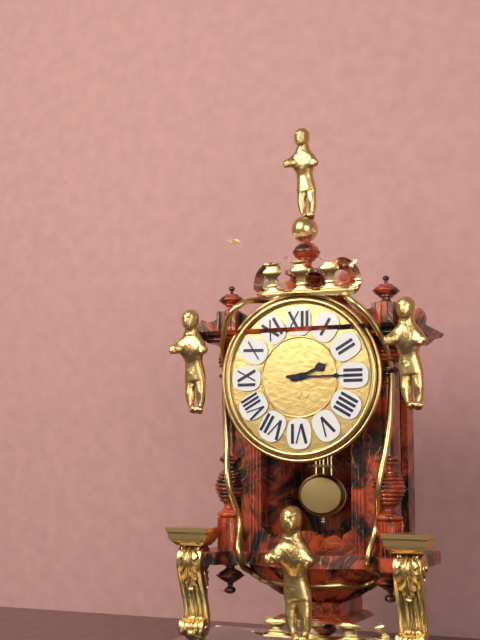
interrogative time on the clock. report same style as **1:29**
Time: **2:15**
